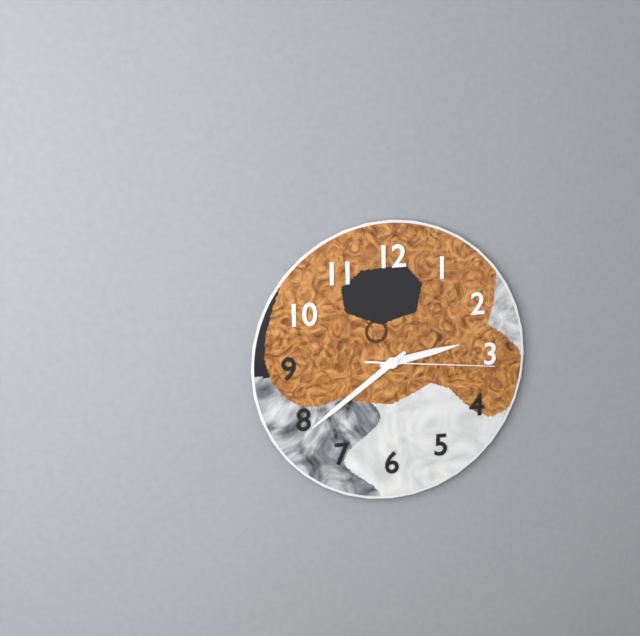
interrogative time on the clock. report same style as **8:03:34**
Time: **2:39:16**
